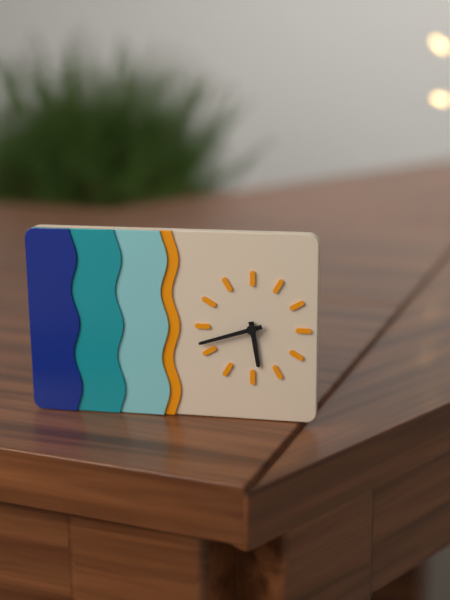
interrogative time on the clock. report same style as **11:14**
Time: **5:42**
